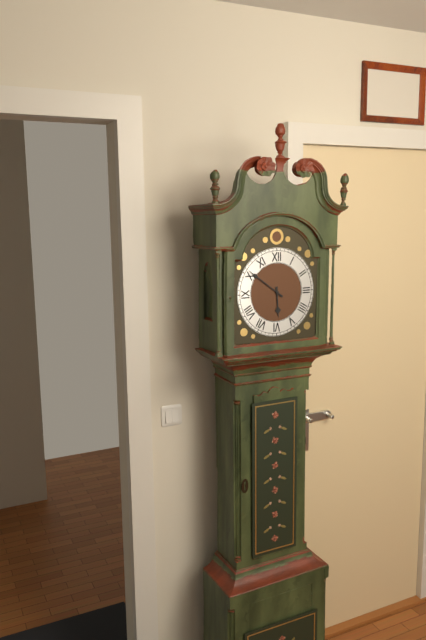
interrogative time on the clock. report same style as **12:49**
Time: **5:51**
